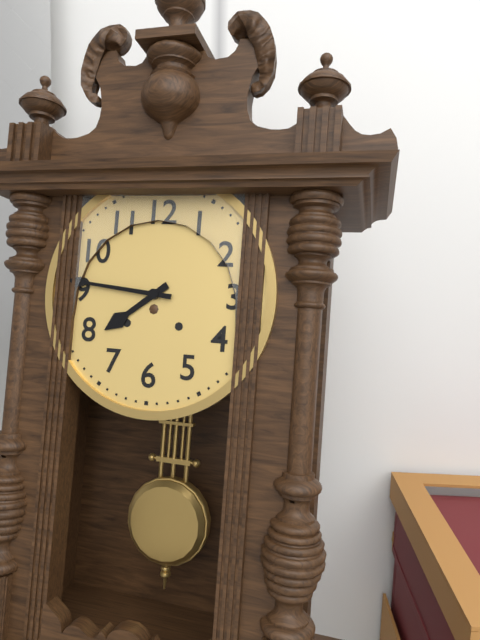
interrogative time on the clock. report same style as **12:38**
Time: **7:46**
